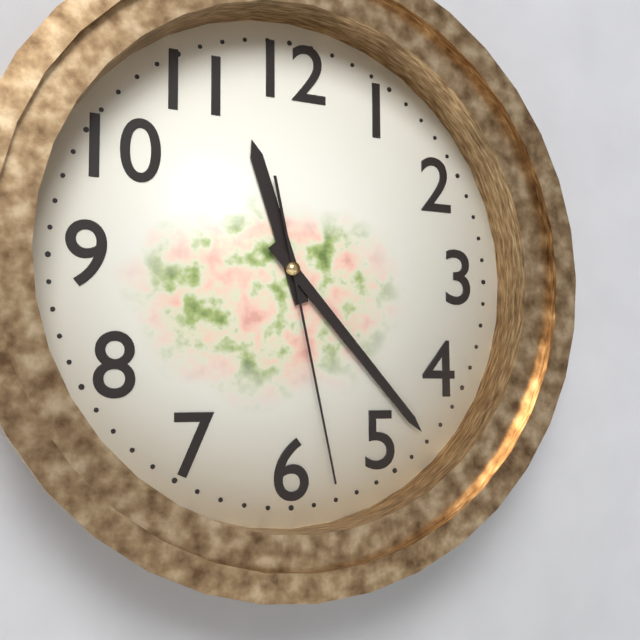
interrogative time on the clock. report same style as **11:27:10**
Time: **11:23:28**
